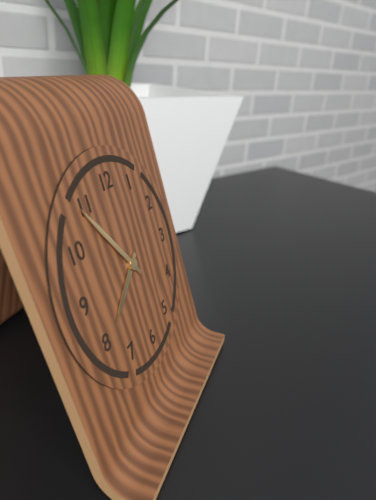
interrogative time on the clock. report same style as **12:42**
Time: **7:54**
